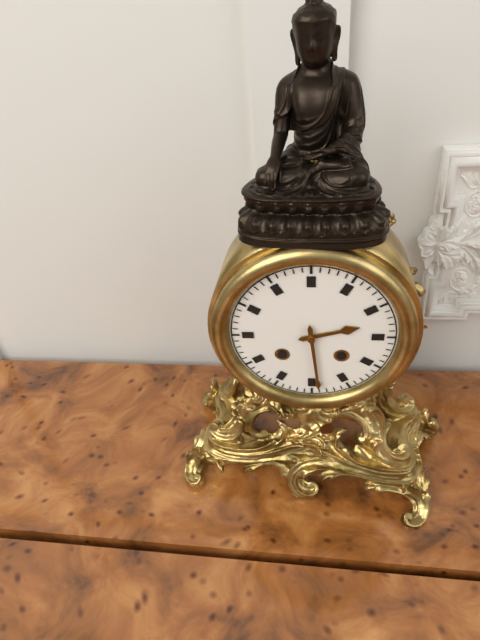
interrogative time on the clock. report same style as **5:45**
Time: **2:29**
